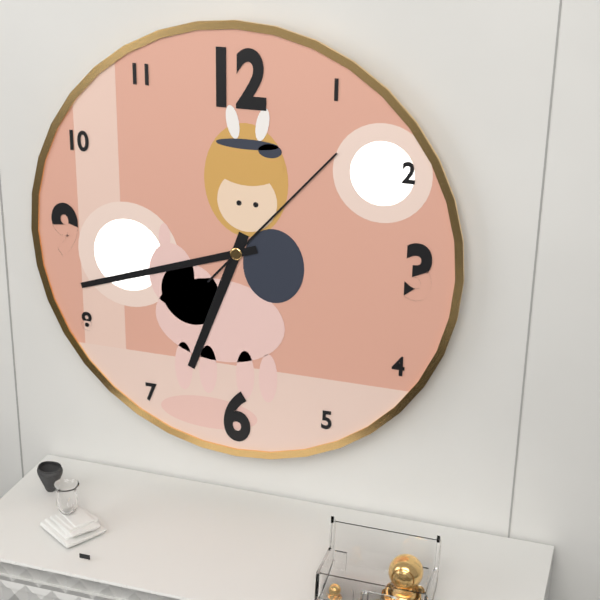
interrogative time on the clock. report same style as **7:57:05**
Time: **6:42:07**
